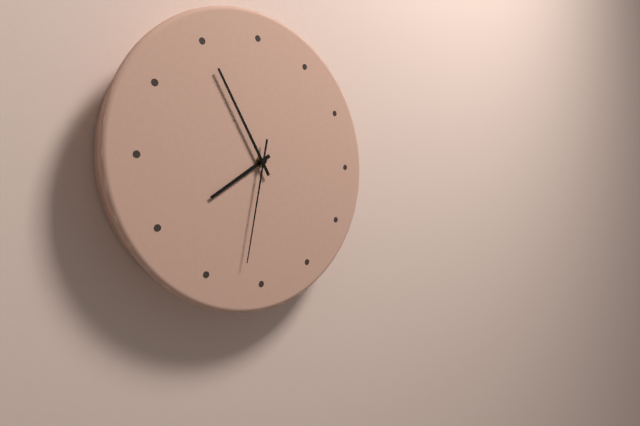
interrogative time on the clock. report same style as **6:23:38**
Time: **7:55:32**
